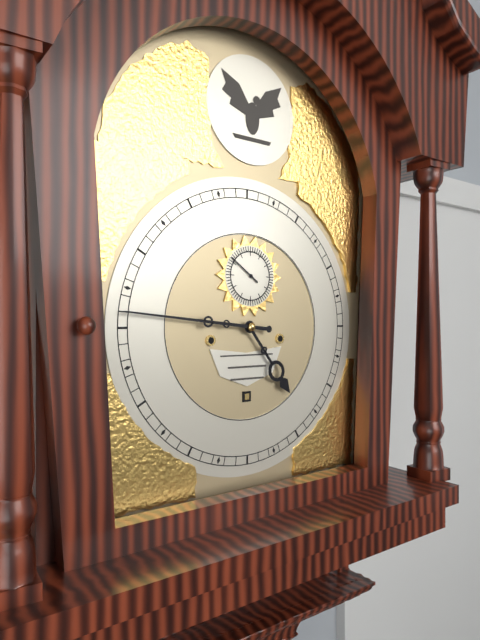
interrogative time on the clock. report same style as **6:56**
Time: **4:46**
